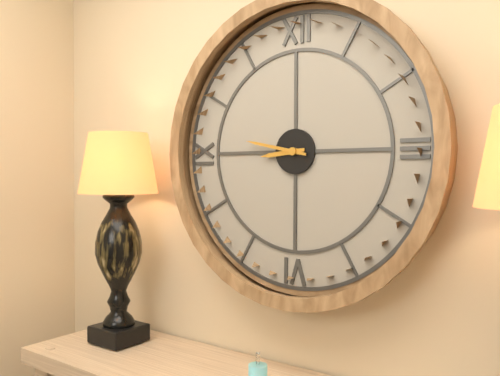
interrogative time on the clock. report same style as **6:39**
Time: **8:47**
